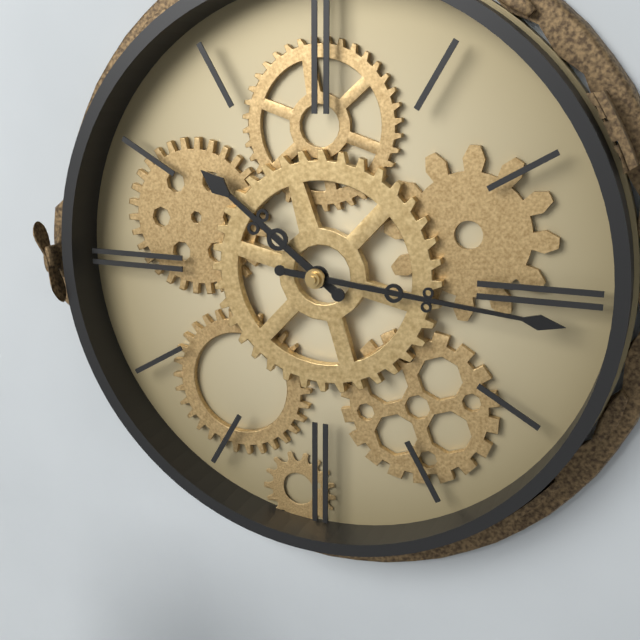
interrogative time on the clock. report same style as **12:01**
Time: **10:16**
